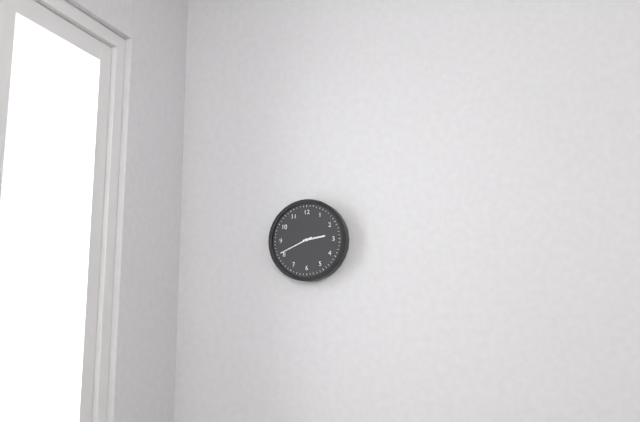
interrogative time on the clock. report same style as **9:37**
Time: **2:41**
